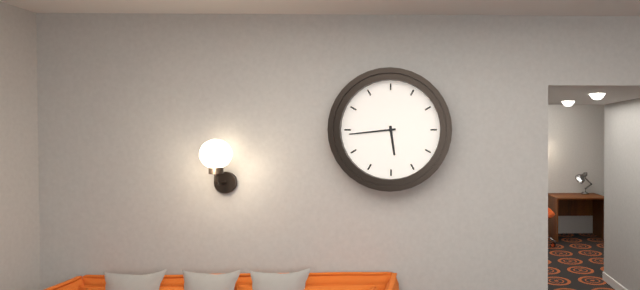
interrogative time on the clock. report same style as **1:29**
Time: **5:44**
